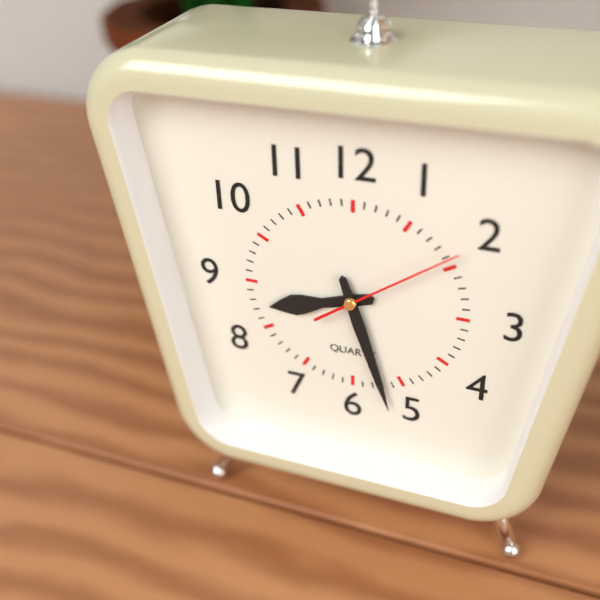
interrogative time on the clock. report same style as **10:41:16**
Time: **8:27:09**
